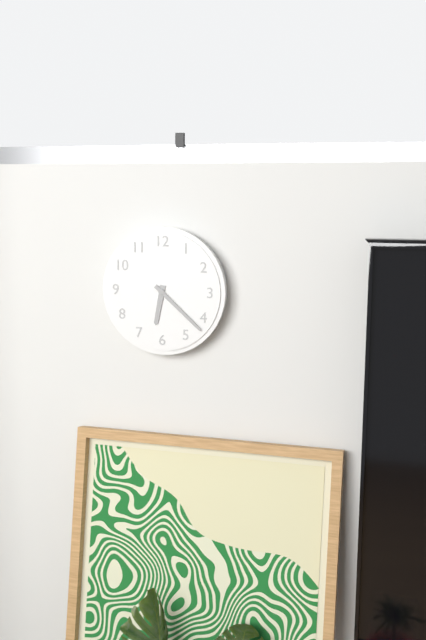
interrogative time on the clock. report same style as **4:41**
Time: **6:22**
